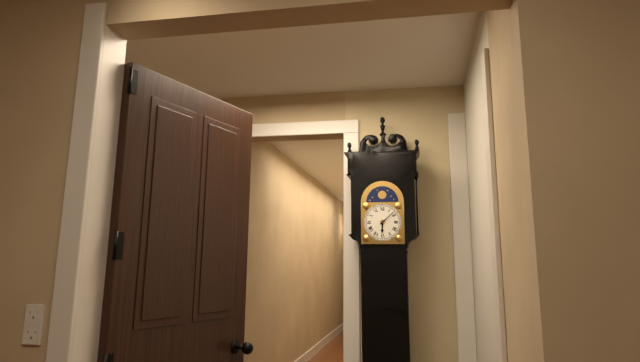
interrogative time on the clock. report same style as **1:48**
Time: **6:08**
